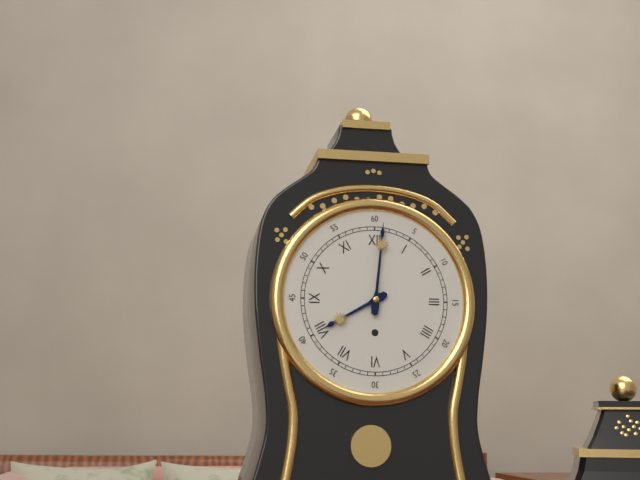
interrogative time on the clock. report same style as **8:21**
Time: **8:01**
